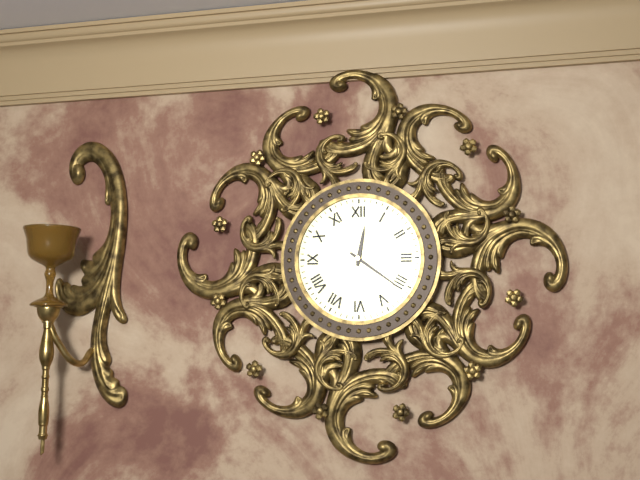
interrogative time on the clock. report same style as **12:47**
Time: **12:21**
